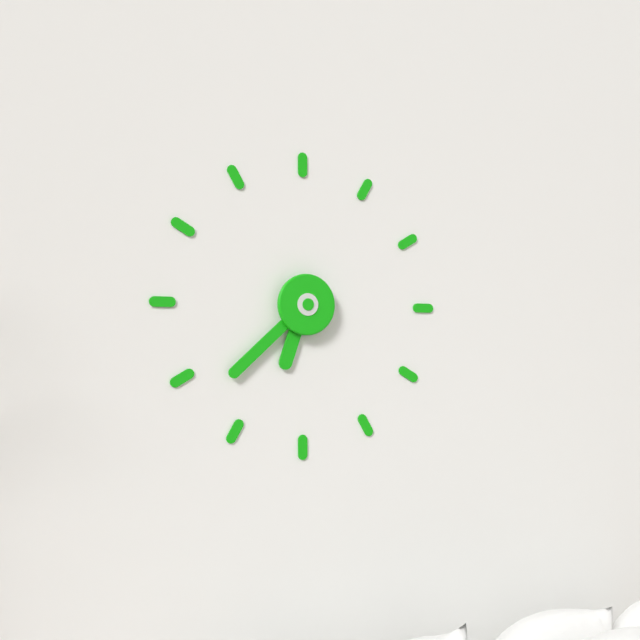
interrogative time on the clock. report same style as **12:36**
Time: **6:38**
